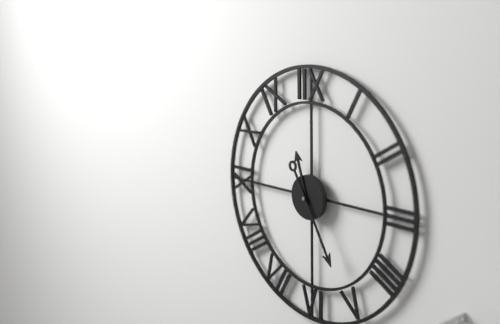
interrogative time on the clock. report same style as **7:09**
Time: **11:25**
